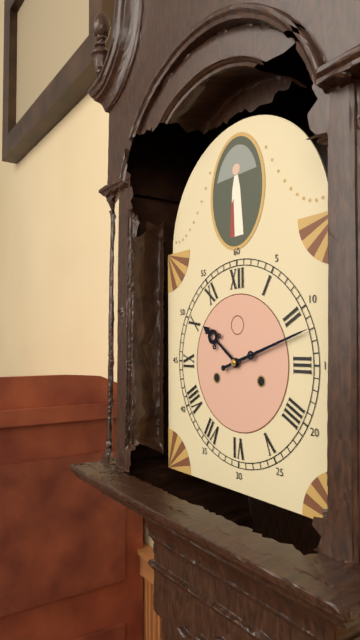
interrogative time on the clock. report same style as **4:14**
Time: **10:12**
